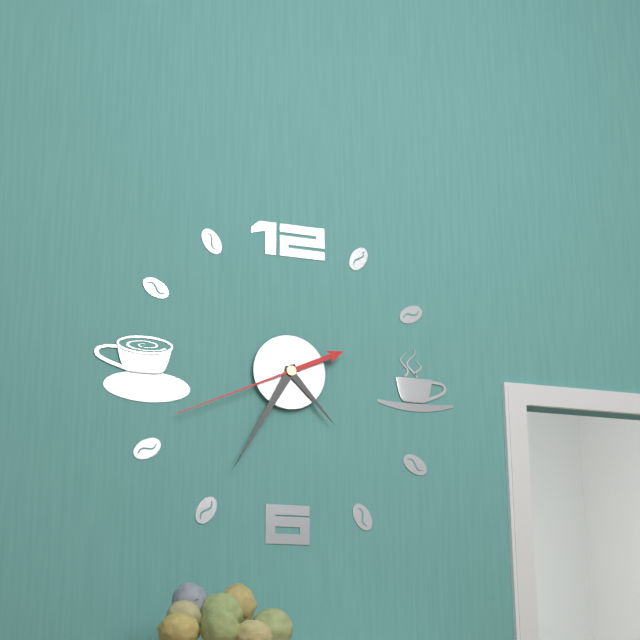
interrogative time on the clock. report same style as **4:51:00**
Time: **4:35:41**
